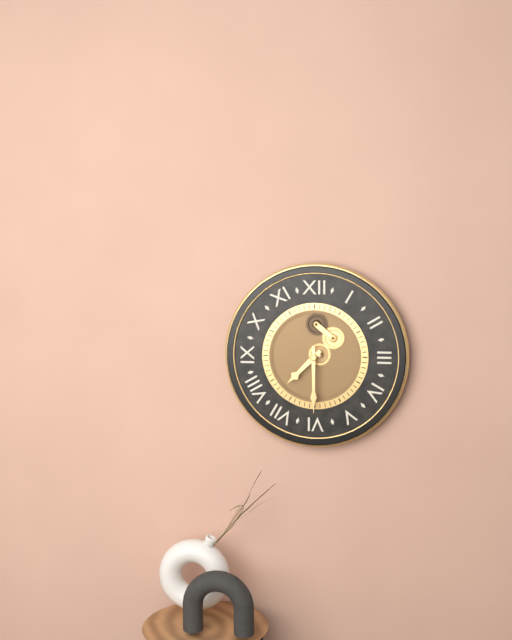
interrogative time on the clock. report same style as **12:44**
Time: **7:30**
